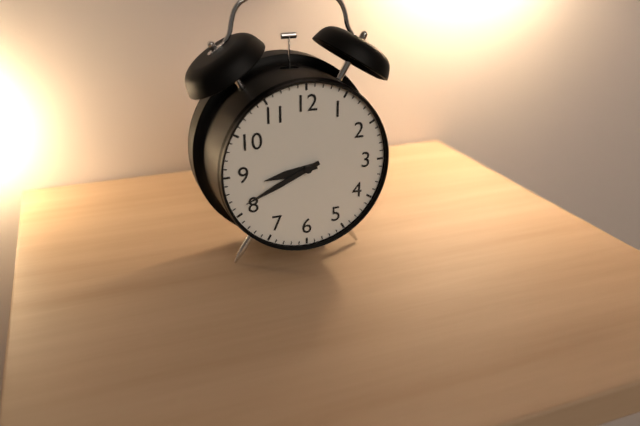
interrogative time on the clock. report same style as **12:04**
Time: **8:41**
